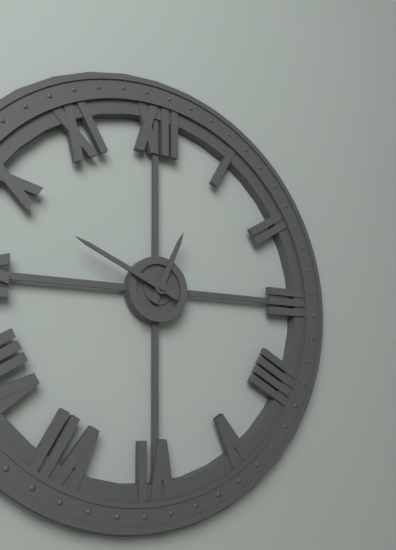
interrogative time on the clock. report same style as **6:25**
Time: **12:49**
